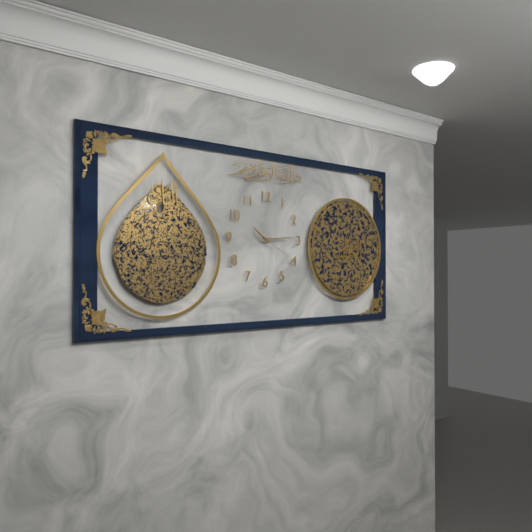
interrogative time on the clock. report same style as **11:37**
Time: **10:14**
